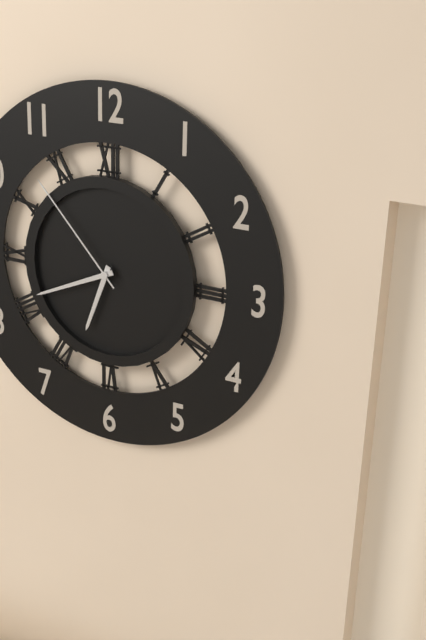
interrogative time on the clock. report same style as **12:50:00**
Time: **6:41:53**
